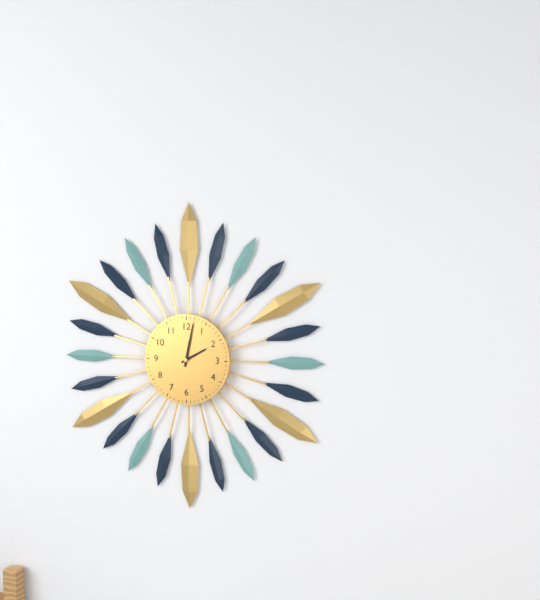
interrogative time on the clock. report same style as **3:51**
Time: **2:02**
